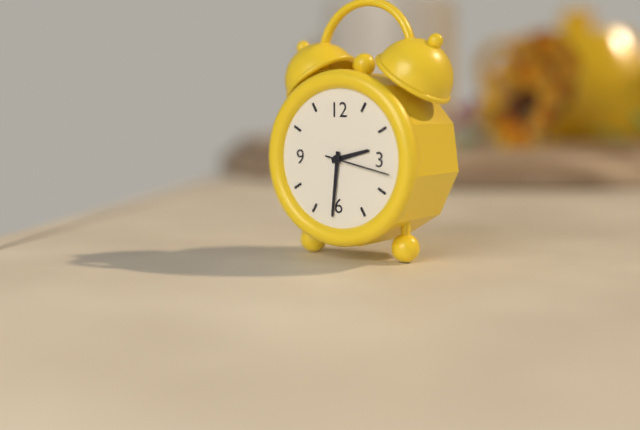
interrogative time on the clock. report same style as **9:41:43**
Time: **2:31:17**
